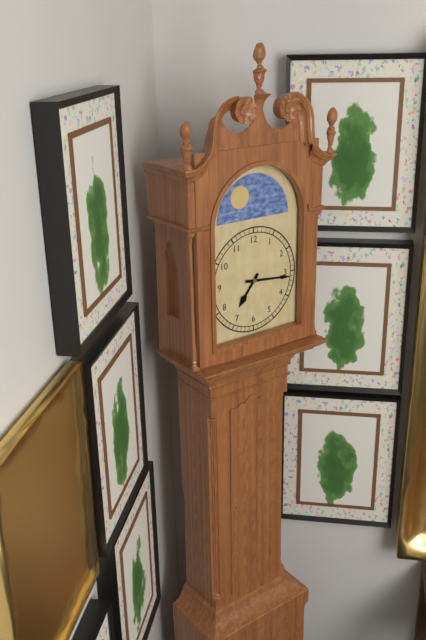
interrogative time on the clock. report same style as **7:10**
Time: **7:16**
